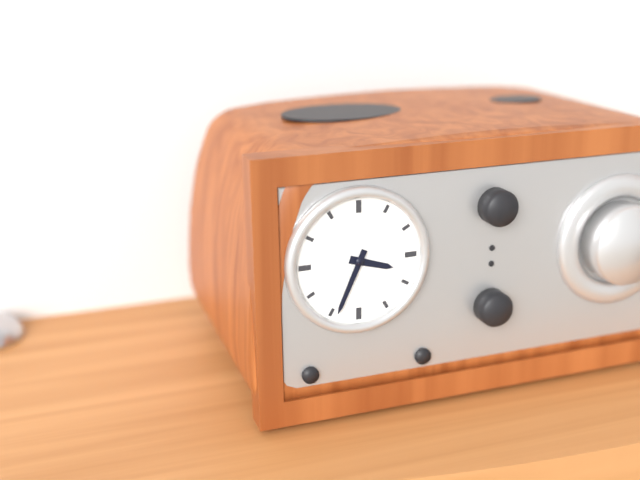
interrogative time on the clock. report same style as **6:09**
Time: **3:34**
